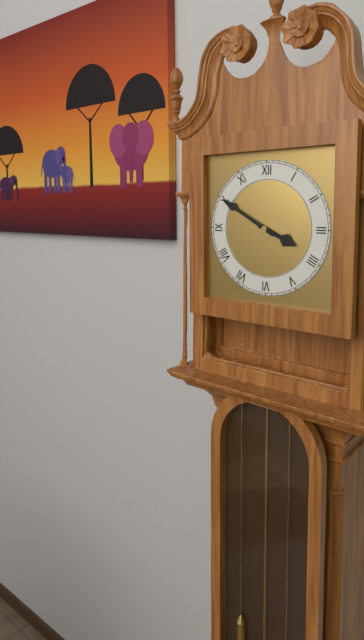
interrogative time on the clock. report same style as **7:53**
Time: **3:50**
